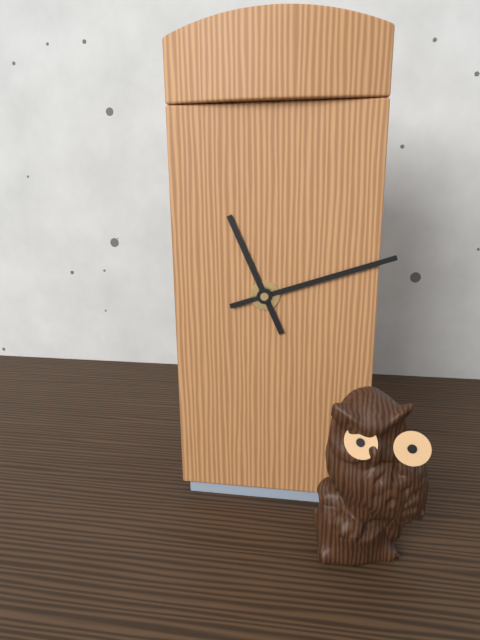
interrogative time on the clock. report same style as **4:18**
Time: **11:12**
